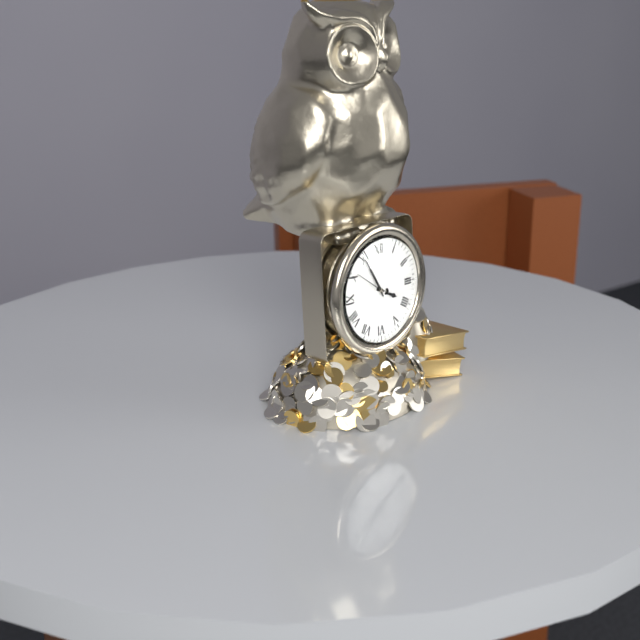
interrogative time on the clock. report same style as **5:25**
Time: **3:55**
